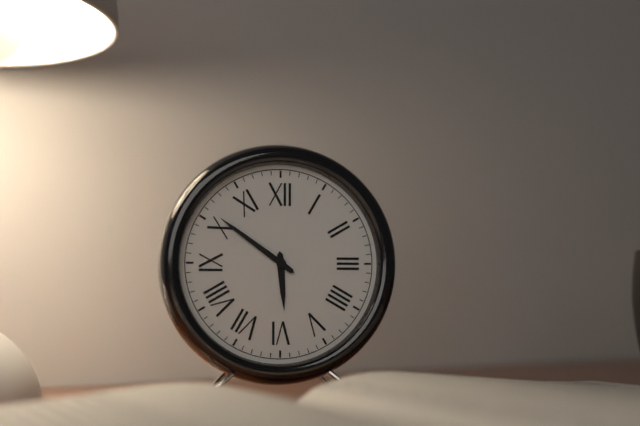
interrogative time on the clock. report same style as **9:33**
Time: **5:51**
